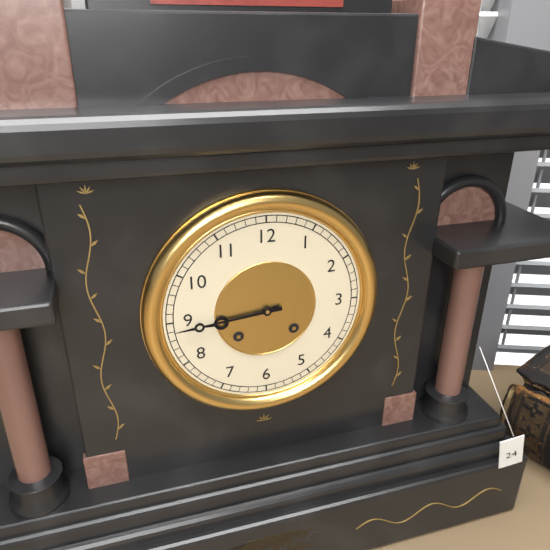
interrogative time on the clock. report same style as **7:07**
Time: **8:44**
